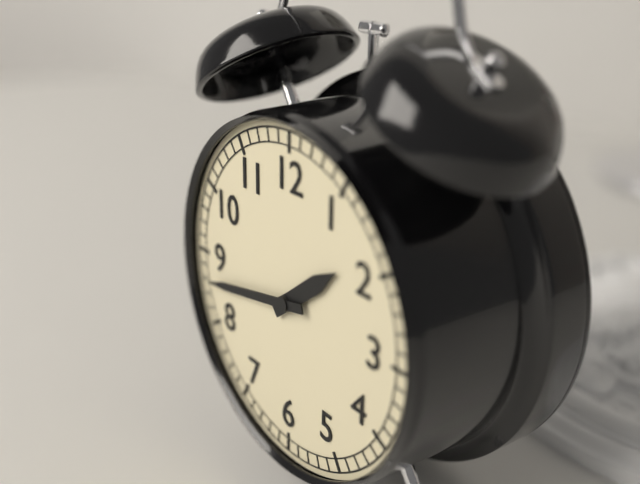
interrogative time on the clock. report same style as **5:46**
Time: **1:43**
